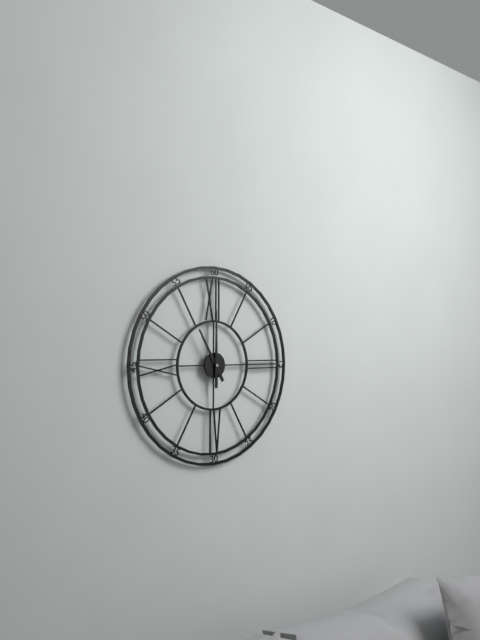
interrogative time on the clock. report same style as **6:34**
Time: **11:00**
